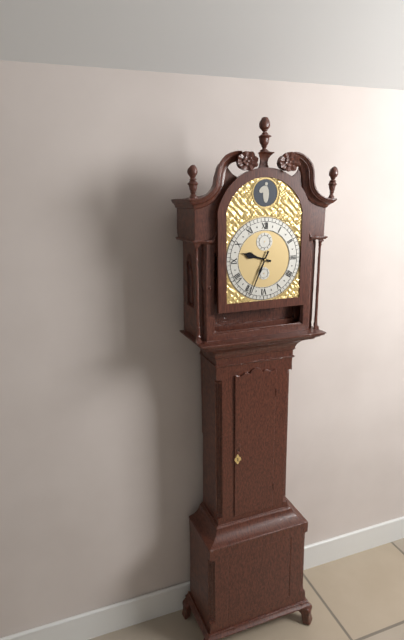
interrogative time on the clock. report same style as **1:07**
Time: **9:34**
